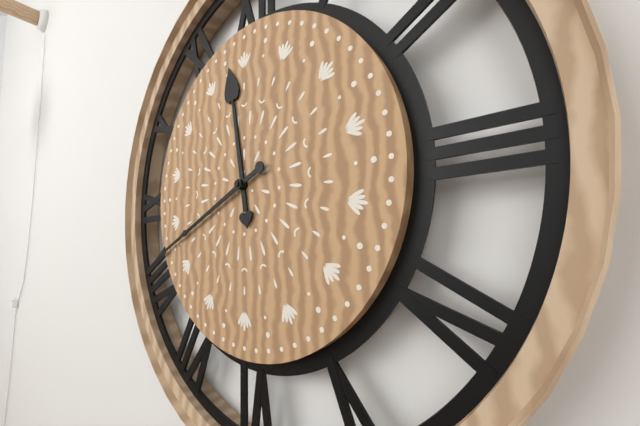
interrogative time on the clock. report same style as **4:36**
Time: **11:41**
